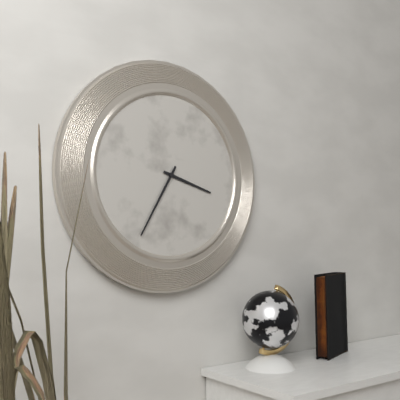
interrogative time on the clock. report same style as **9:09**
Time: **3:35**
